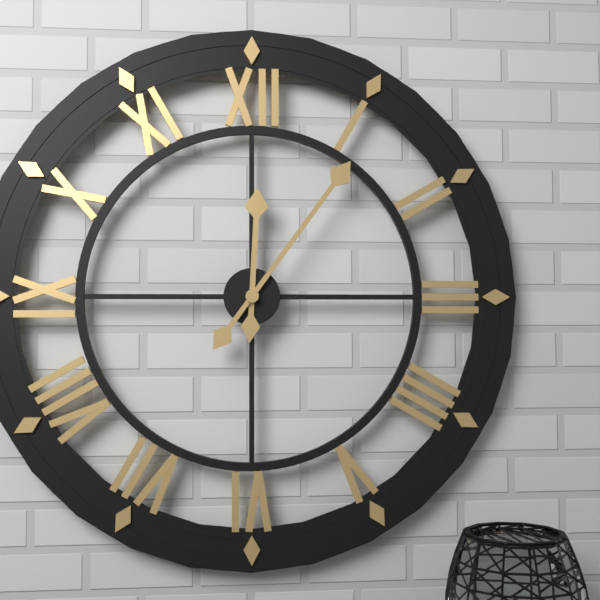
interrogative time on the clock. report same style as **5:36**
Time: **12:06**
